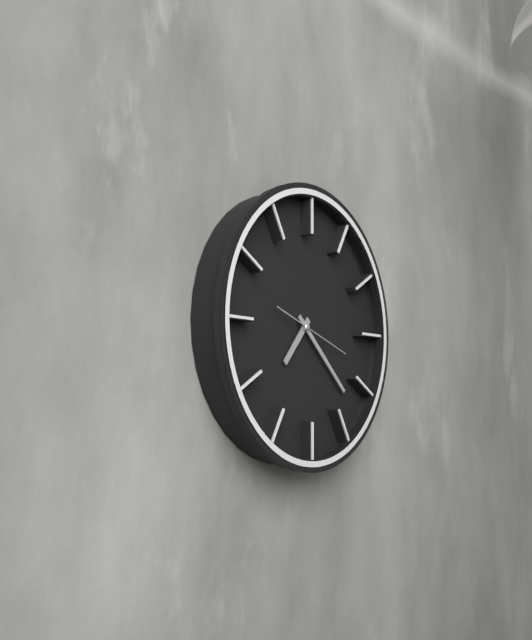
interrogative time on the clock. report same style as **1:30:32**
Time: **7:22:18**
